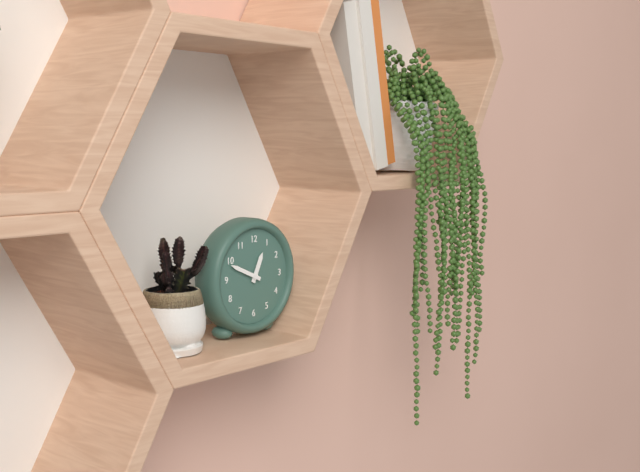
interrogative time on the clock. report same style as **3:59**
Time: **12:49**
